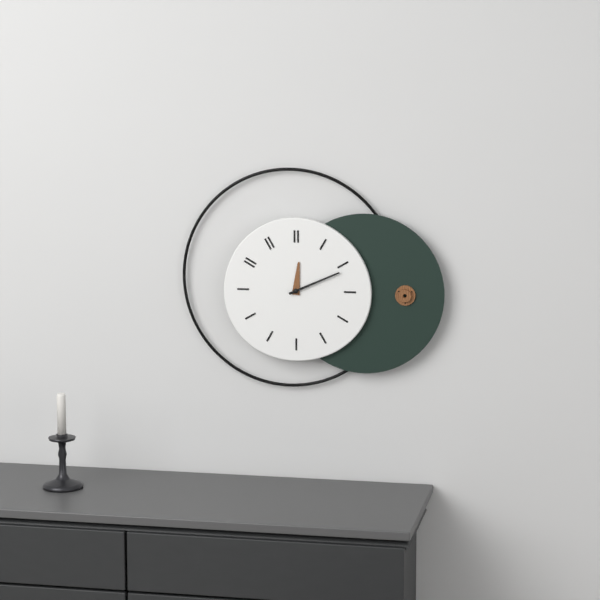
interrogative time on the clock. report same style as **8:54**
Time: **12:11**
